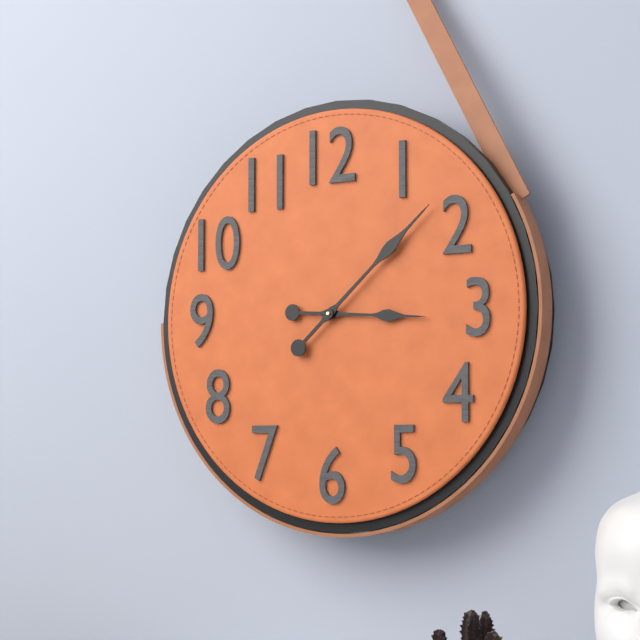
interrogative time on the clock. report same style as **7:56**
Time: **3:08**
